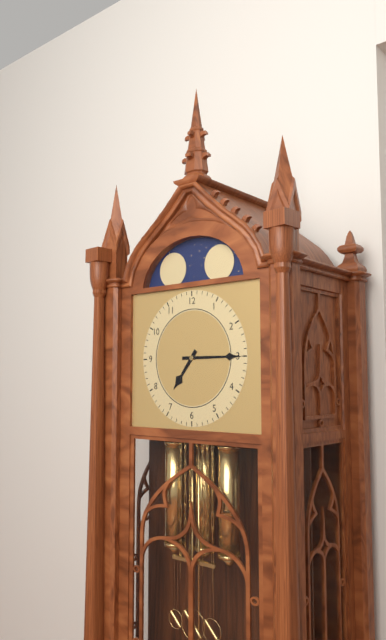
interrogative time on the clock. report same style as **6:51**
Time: **7:15**
